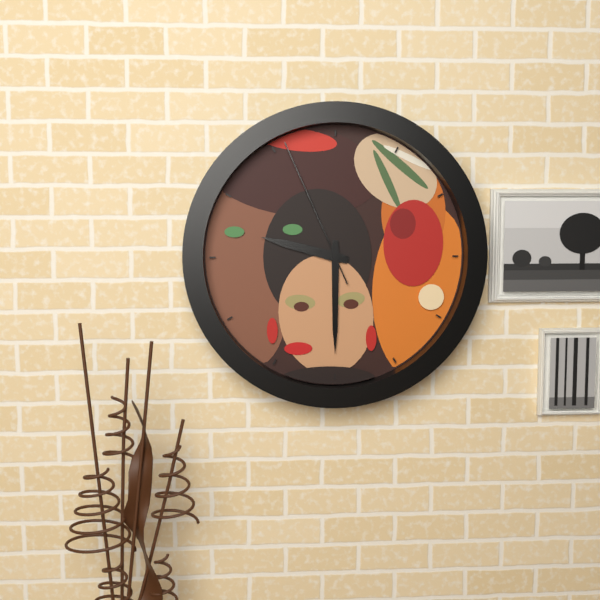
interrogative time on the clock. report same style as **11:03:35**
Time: **9:30:56**
